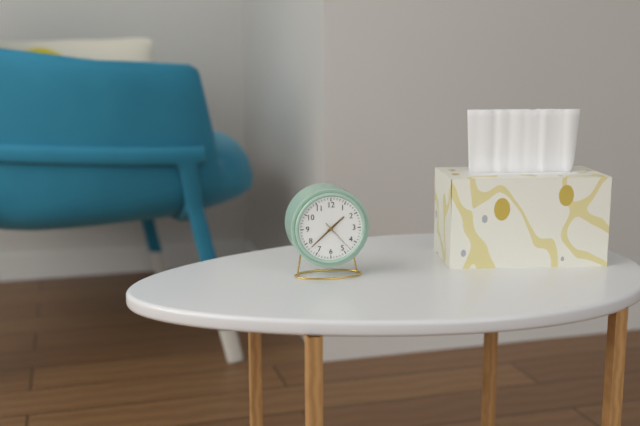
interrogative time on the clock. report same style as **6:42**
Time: **1:38**
